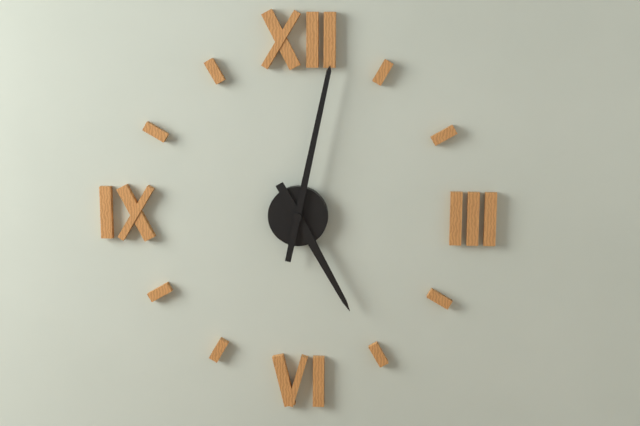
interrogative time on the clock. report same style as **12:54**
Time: **5:02**
